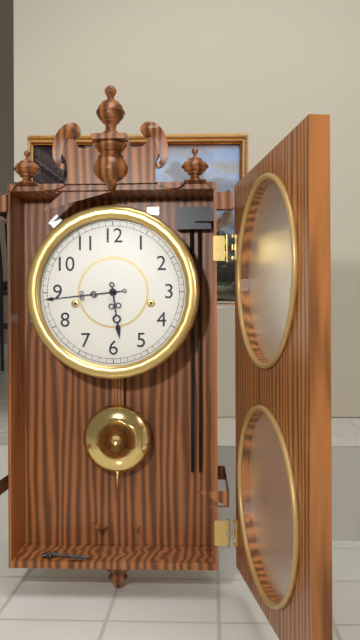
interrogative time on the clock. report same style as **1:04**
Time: **5:44**
